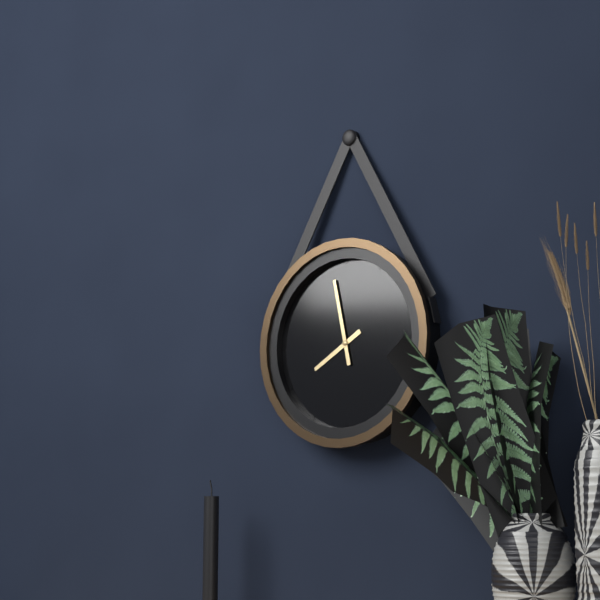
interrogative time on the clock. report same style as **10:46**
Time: **7:58**
